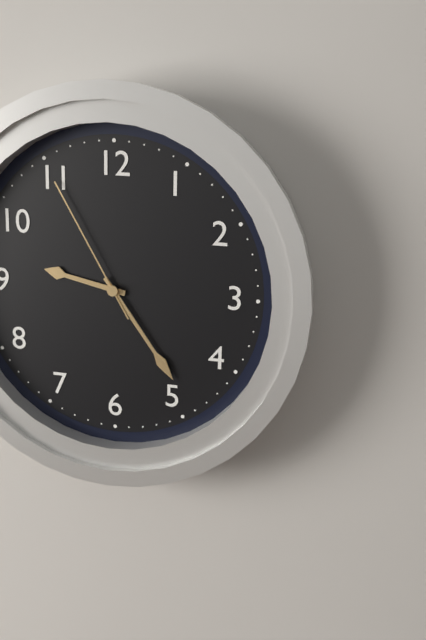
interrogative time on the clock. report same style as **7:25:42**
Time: **9:24:55**
